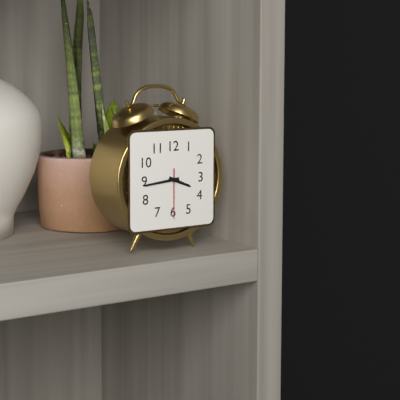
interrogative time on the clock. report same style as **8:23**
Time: **3:44**
